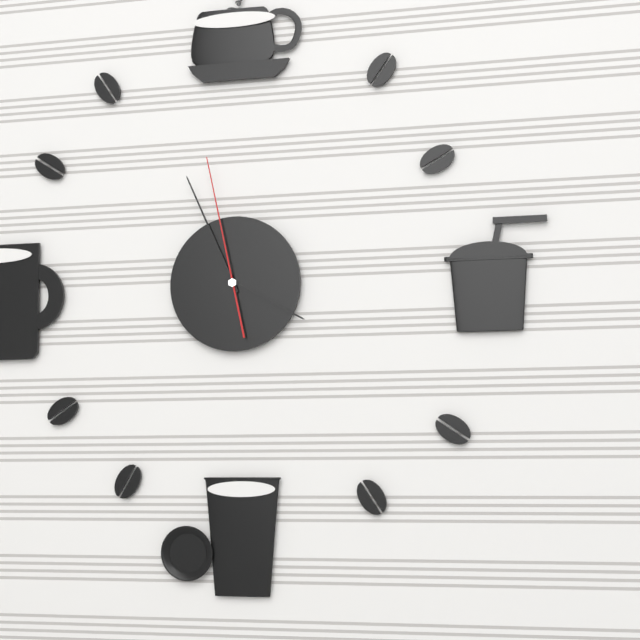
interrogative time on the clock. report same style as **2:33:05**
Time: **3:56:58**
